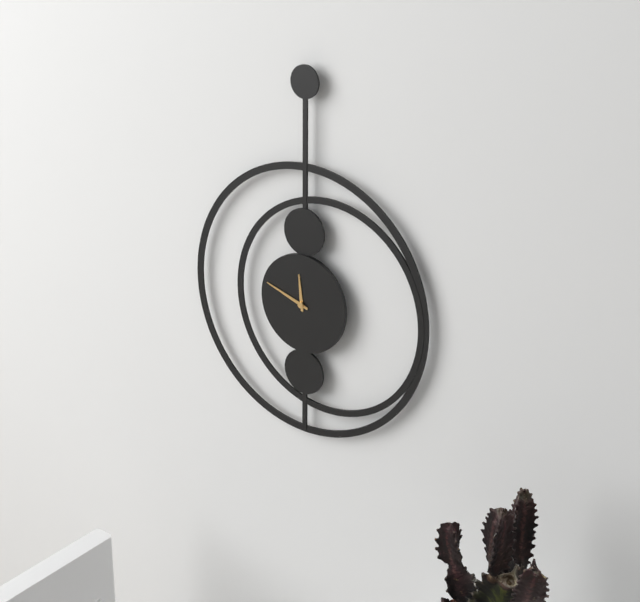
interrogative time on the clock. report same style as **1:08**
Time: **11:48**
